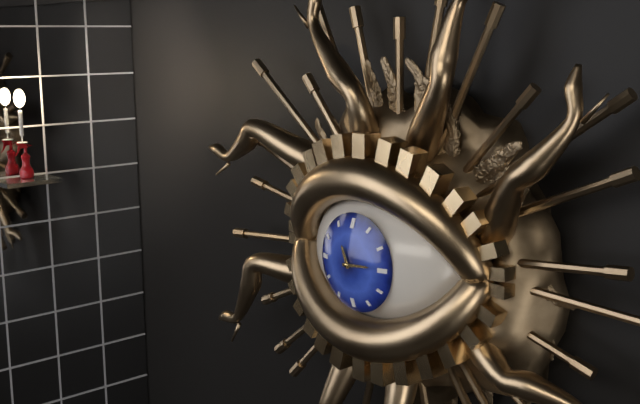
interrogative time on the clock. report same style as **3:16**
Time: **11:14**
